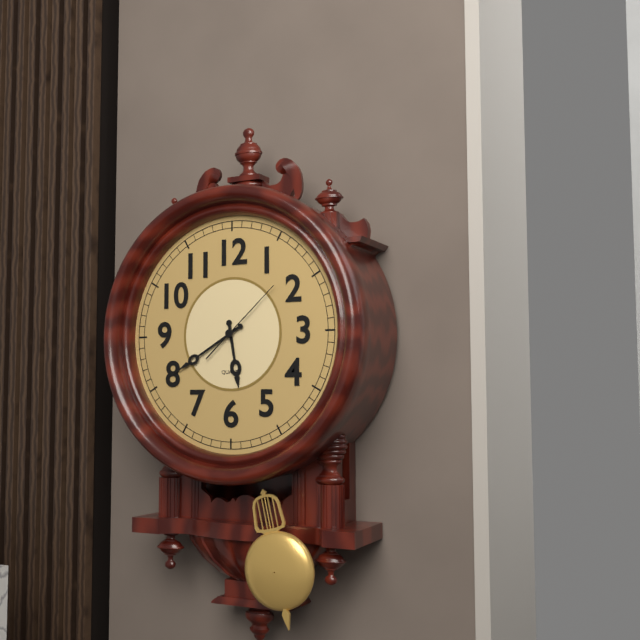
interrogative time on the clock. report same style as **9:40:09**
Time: **5:40:08**
